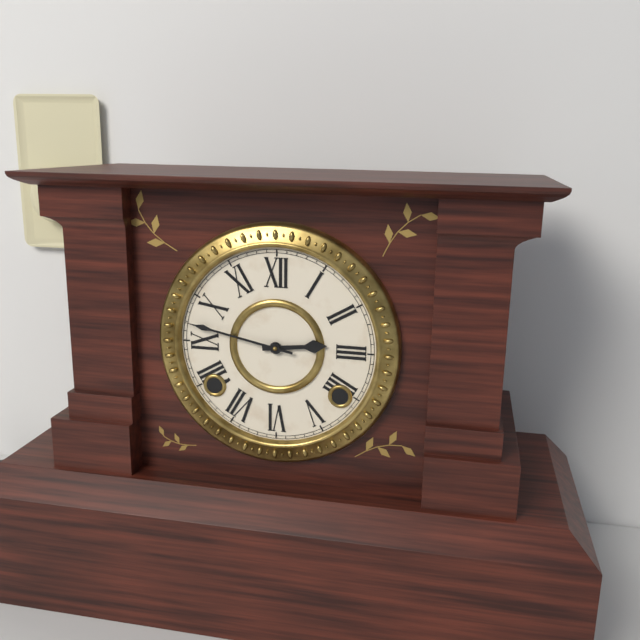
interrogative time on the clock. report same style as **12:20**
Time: **2:47**
